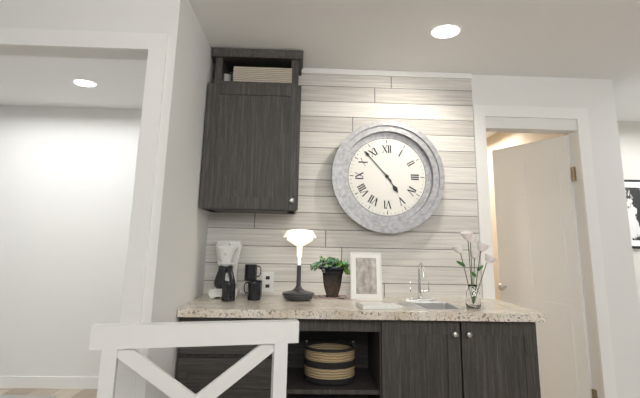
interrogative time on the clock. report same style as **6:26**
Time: **4:53**
